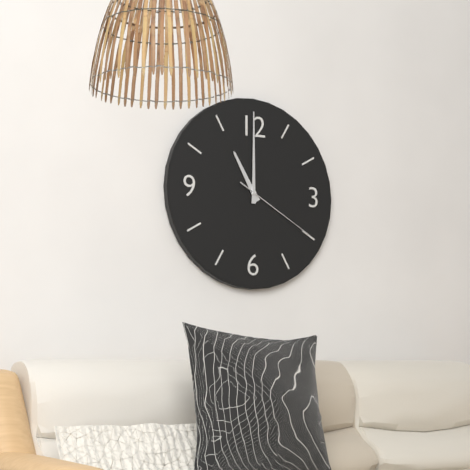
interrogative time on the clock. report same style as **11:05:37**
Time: **11:00:20**
